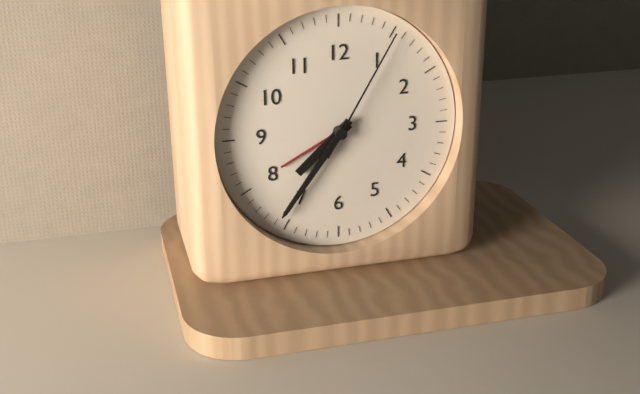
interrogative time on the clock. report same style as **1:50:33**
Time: **7:36:05**
